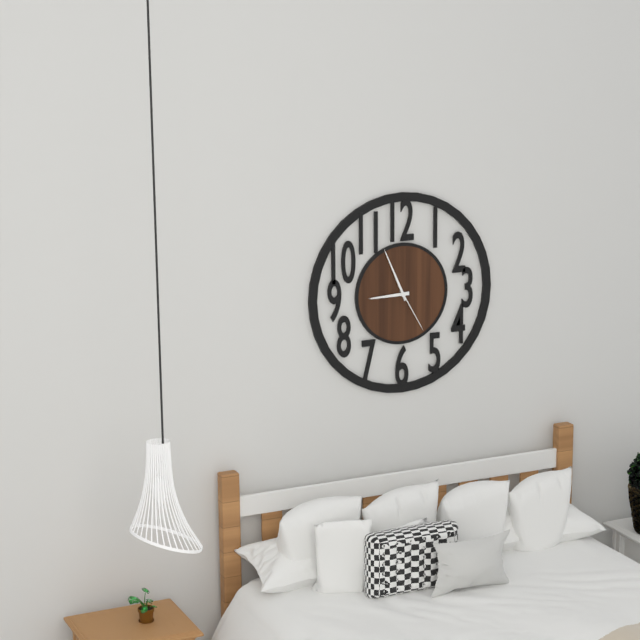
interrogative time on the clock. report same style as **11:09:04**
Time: **8:56:25**
